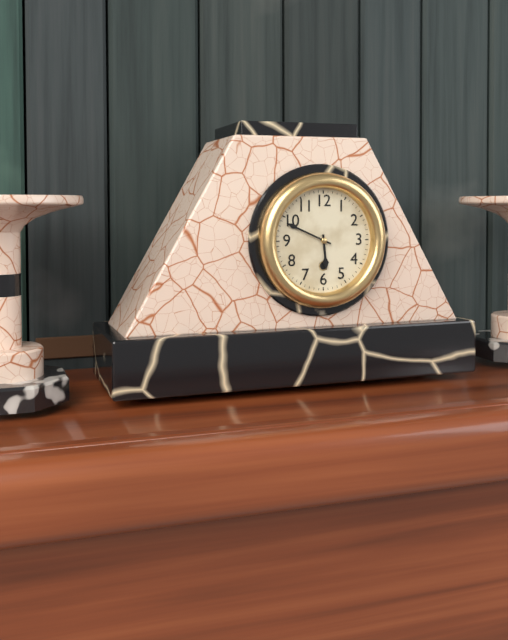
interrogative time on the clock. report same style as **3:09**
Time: **5:49**
